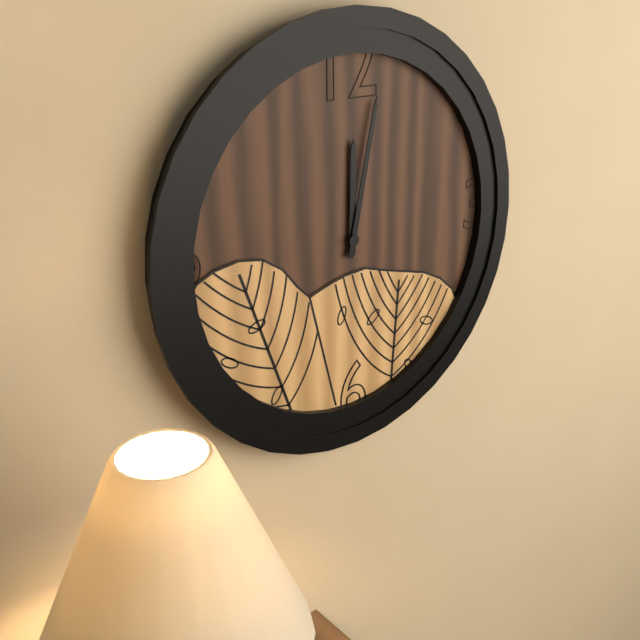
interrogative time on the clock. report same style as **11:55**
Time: **12:02**
